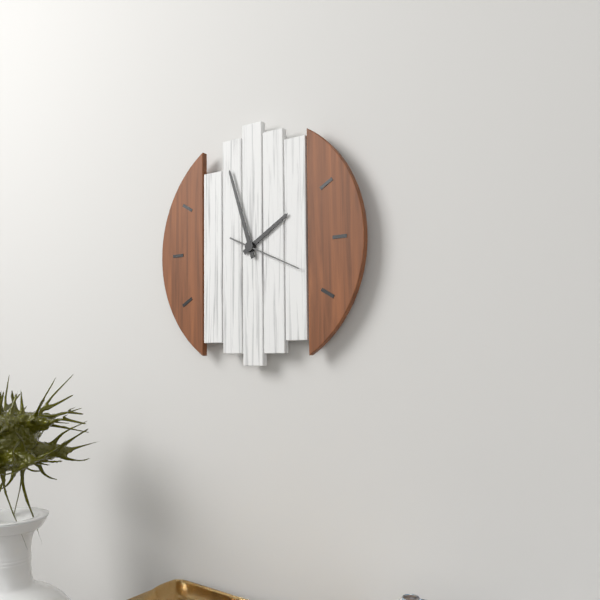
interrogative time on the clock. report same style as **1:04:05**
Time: **1:57:19**
